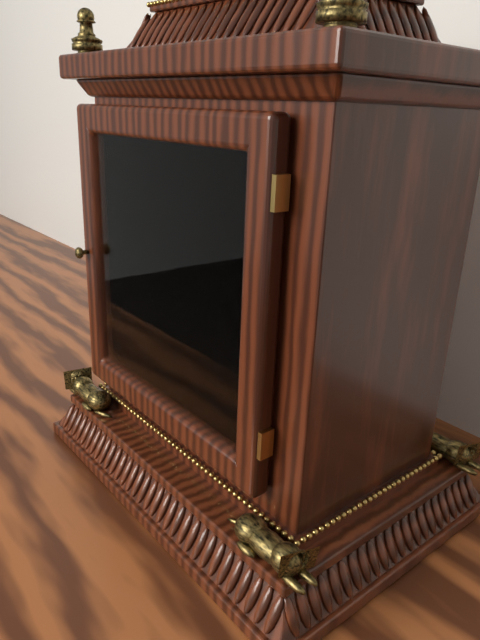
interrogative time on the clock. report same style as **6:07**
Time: **1:51**
